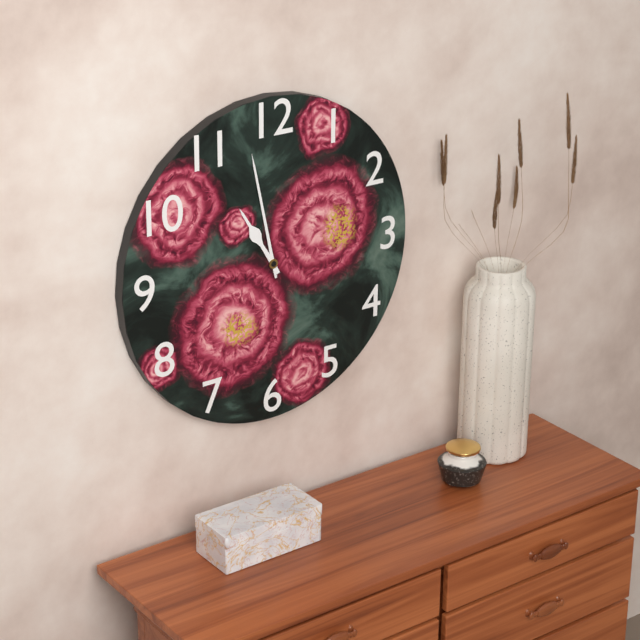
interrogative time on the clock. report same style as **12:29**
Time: **10:58**
